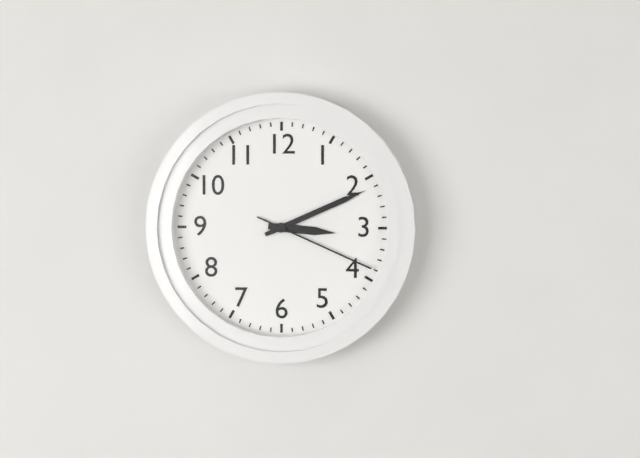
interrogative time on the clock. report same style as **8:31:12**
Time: **3:11:19**
